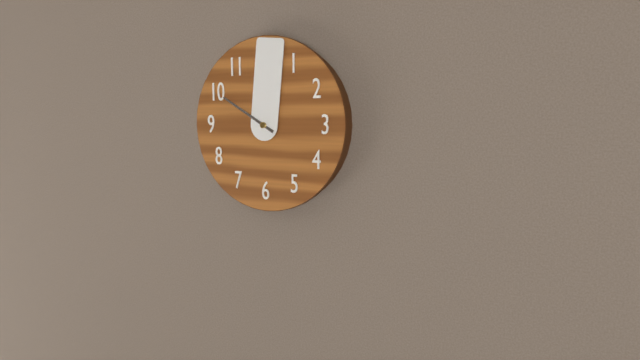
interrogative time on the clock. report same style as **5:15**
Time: **10:01**
